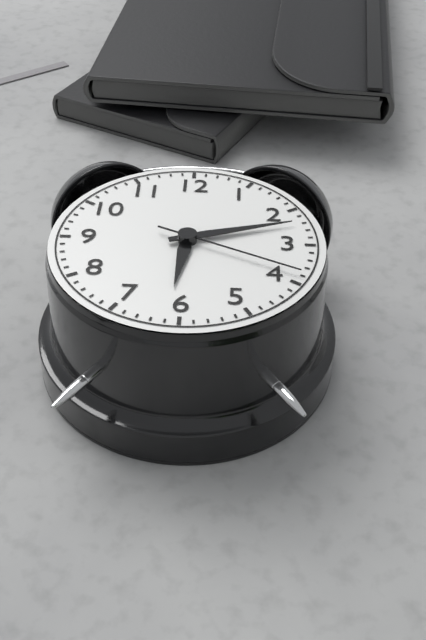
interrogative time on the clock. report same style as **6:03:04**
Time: **6:12:19**
